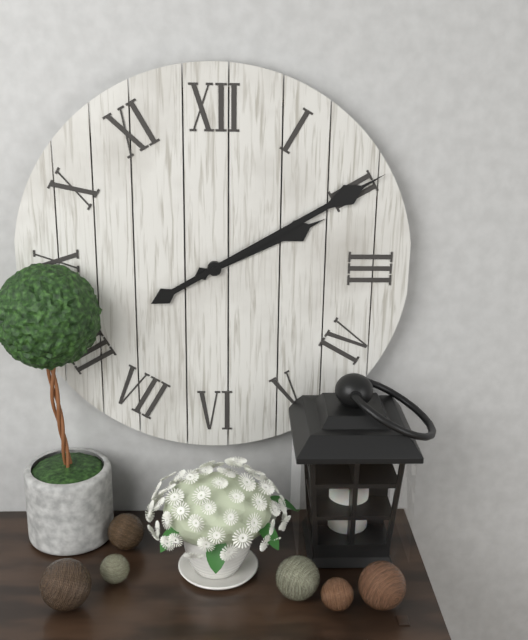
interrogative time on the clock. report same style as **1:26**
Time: **2:10**
